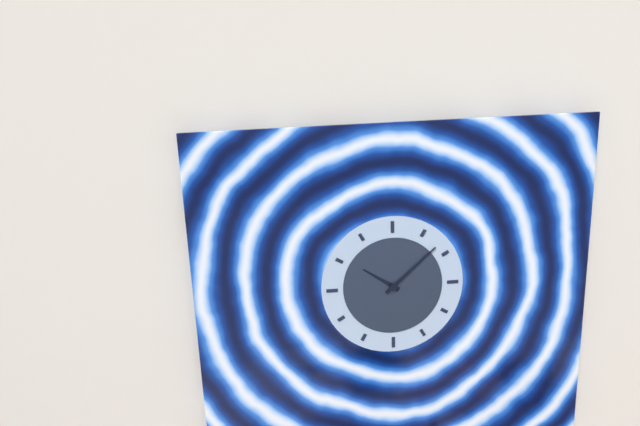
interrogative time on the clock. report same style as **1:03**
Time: **10:08**
